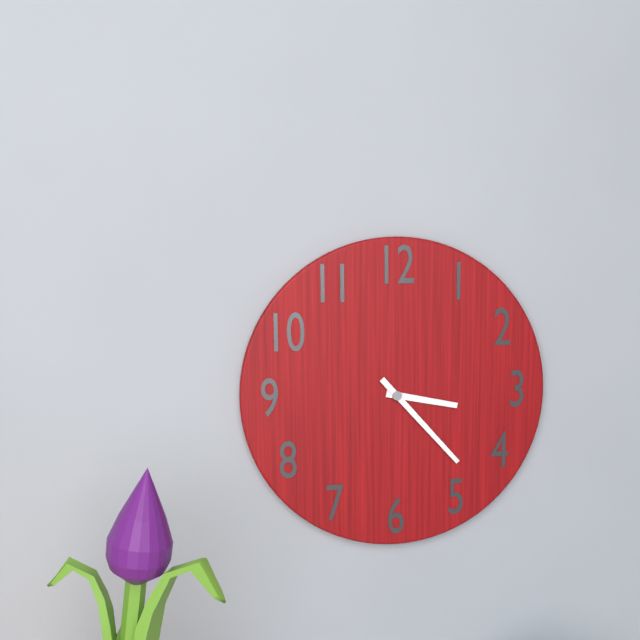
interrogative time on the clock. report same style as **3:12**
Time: **3:23**
